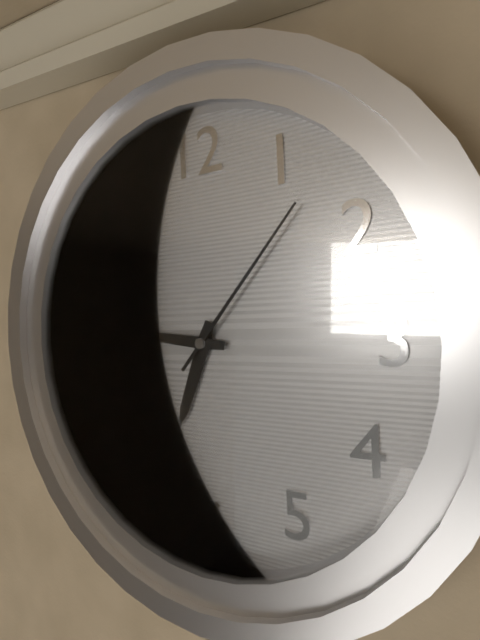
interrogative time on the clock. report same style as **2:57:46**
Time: **6:46:07**
